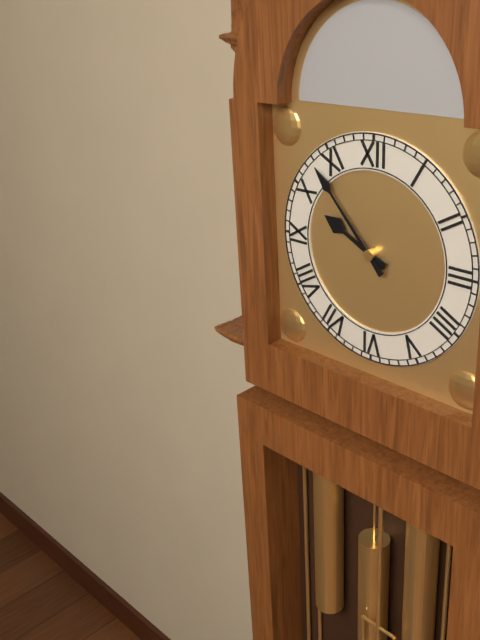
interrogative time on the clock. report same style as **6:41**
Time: **9:53**
